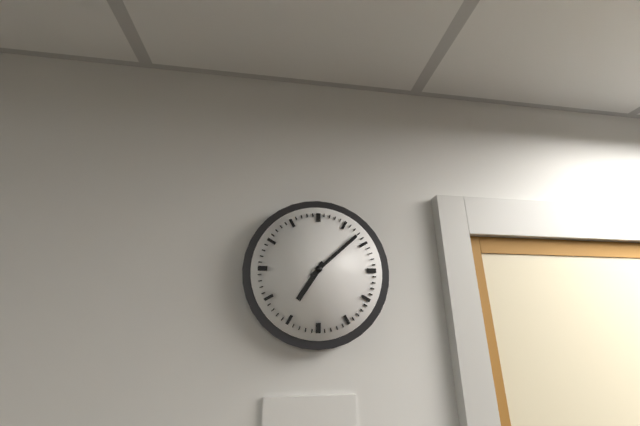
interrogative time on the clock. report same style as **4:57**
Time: **7:08**
